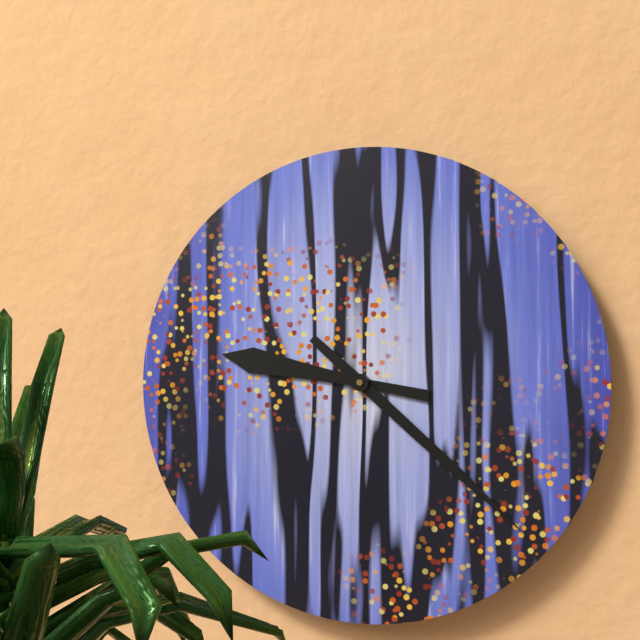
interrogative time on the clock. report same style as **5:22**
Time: **9:22**
